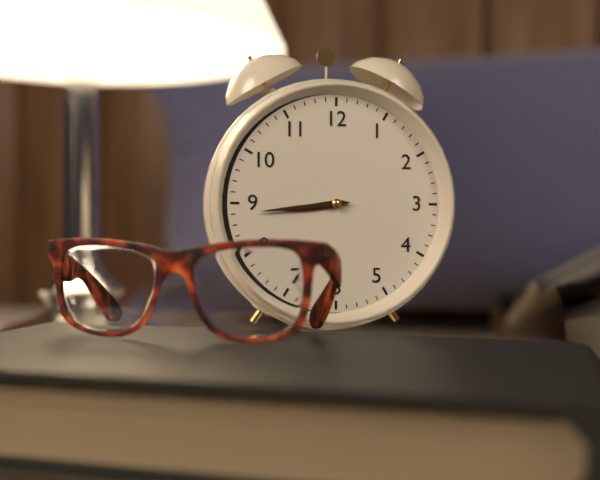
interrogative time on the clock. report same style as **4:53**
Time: **8:44**
